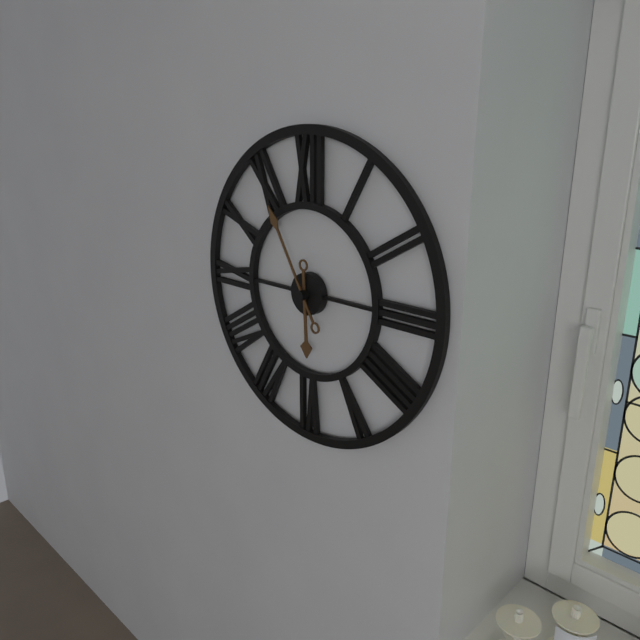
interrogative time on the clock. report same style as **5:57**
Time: **5:55**
